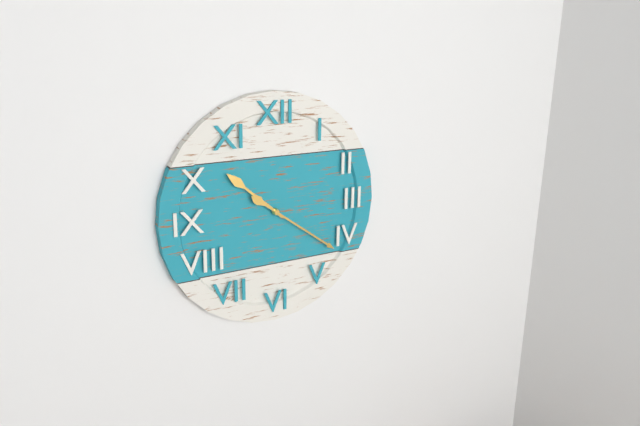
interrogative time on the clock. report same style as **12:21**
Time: **10:21**
